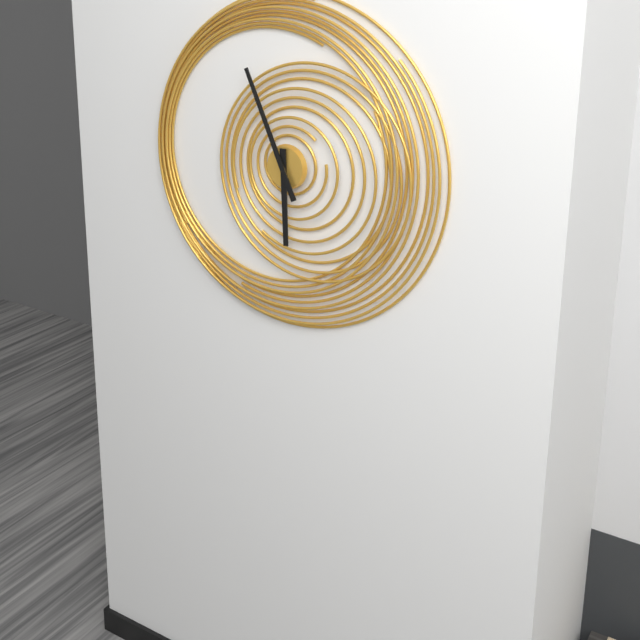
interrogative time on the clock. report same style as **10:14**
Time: **5:56**
